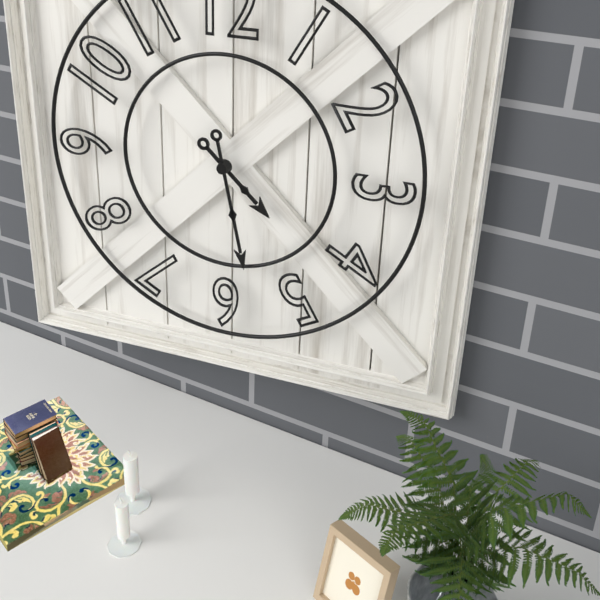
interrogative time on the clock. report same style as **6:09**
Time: **4:28**
